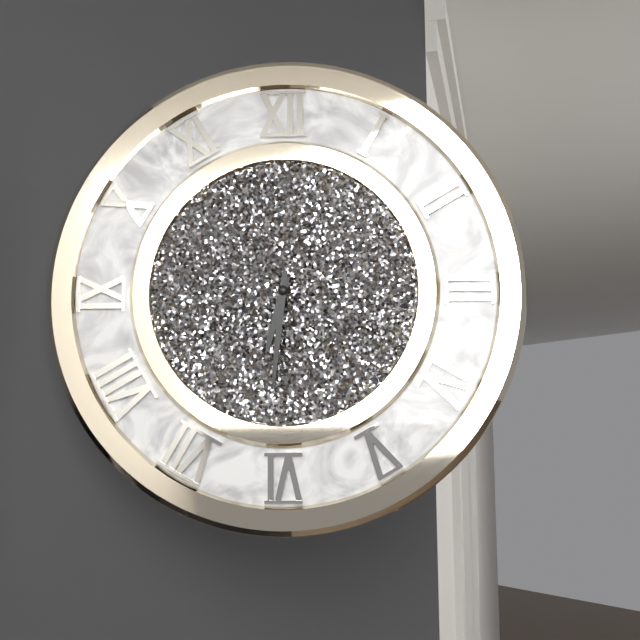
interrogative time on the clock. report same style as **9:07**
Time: **6:31**
